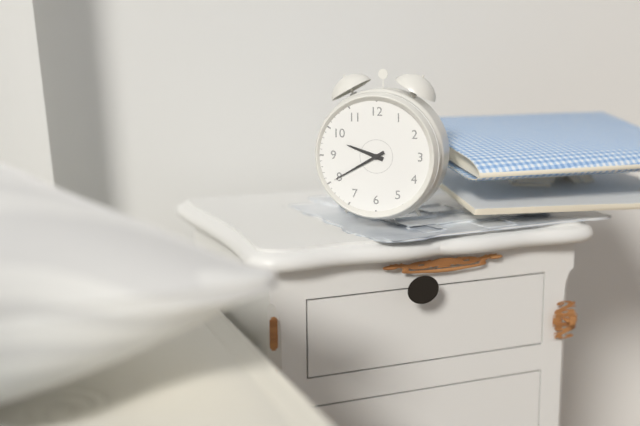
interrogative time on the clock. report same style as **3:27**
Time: **9:40**
